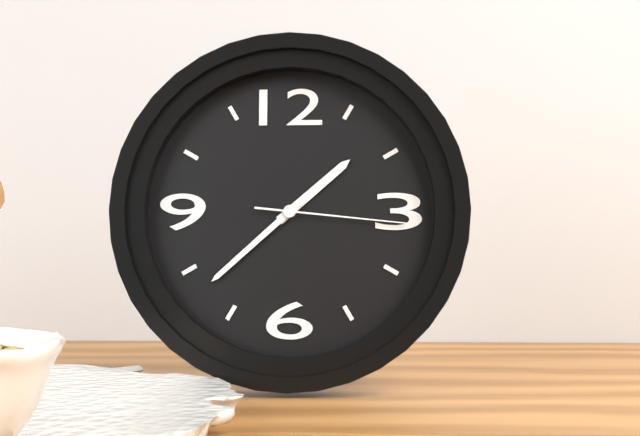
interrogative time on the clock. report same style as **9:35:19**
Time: **1:38:16**
